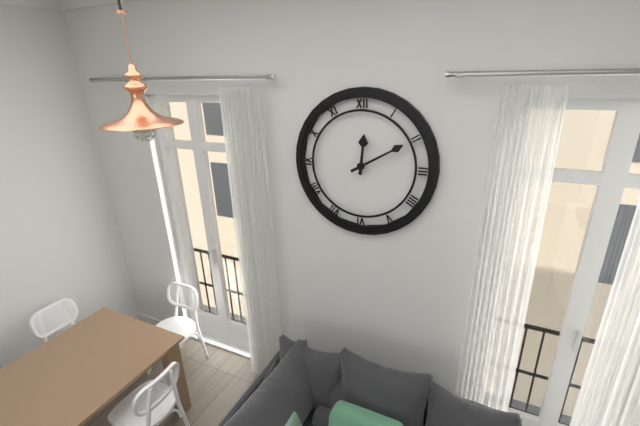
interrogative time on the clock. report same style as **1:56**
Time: **12:10**
